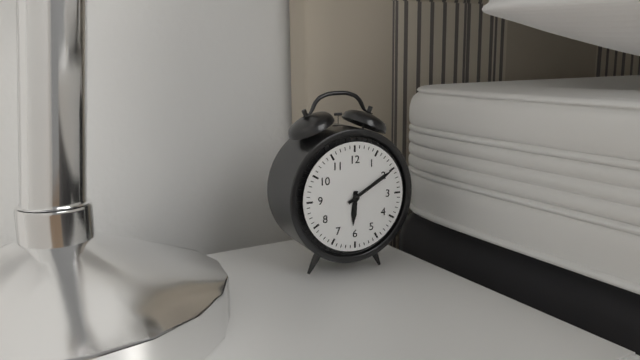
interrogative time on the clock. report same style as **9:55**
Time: **6:10**
